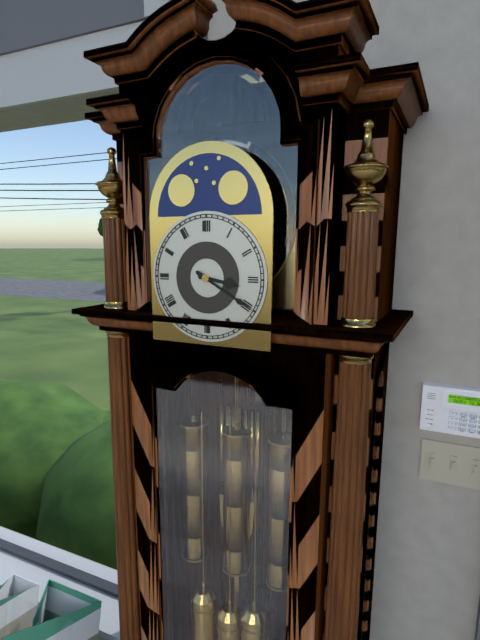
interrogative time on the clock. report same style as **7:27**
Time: **3:20**
